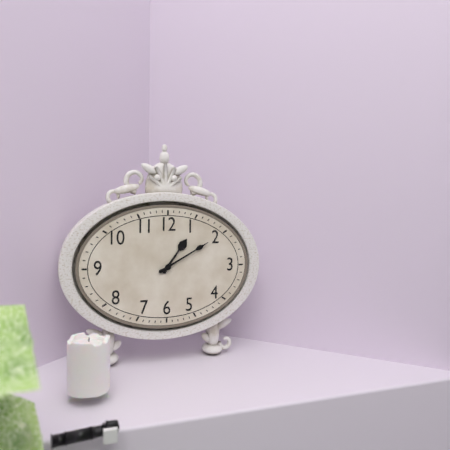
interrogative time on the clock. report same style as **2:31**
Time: **1:10**
